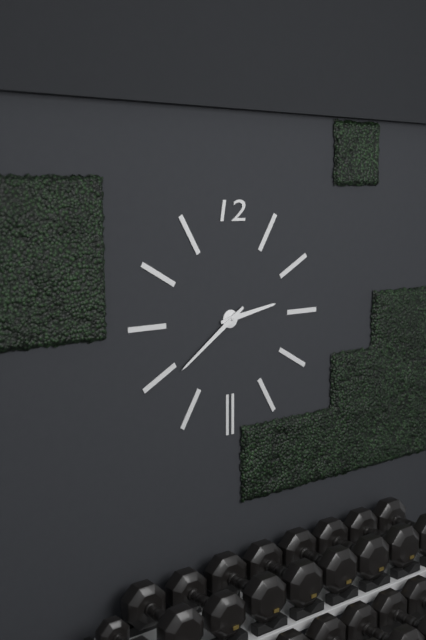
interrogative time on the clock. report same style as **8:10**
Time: **2:39**
